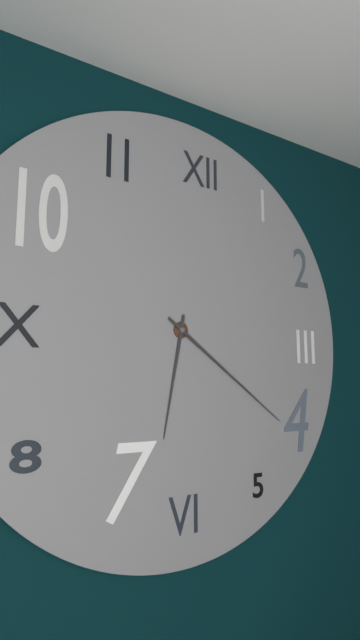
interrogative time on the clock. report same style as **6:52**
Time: **6:21**
